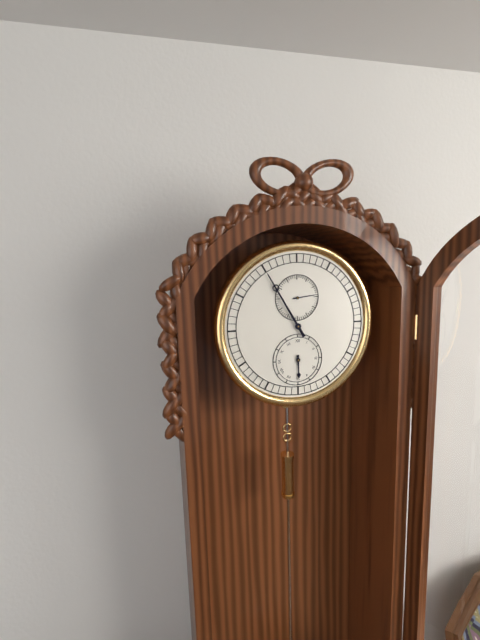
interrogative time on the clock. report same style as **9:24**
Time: **5:55**
